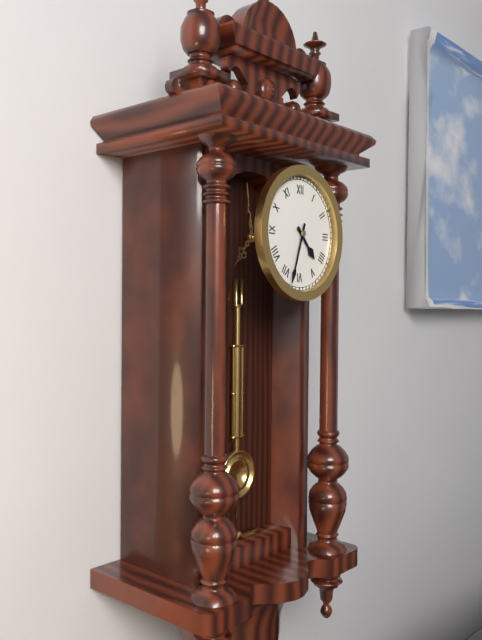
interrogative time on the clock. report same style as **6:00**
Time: **4:33**
